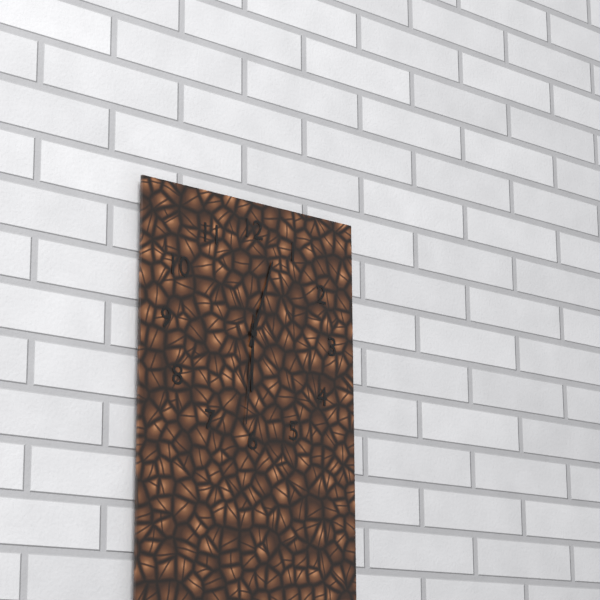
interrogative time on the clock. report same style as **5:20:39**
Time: **6:03:31**
